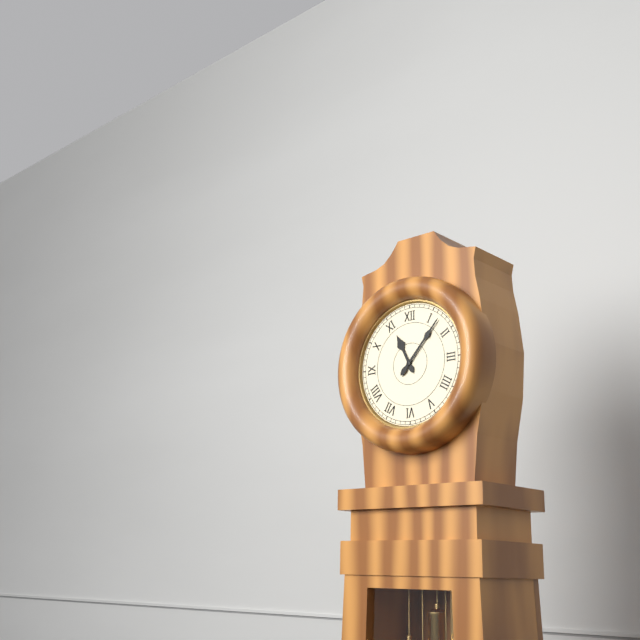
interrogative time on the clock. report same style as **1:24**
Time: **11:07**
